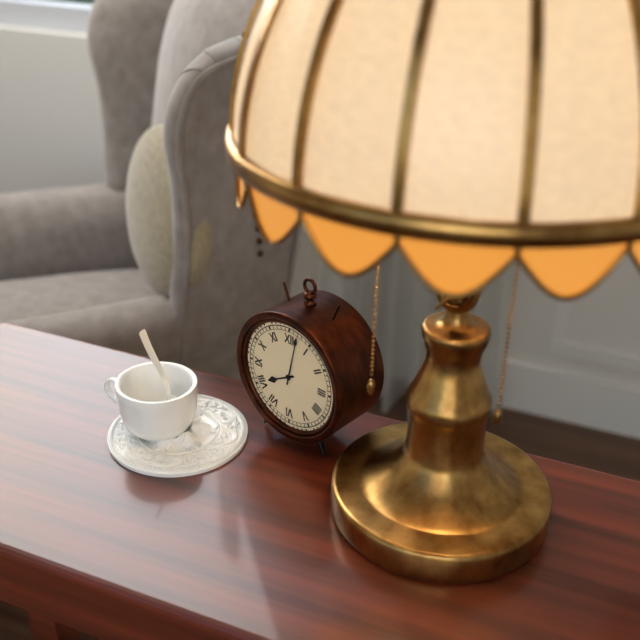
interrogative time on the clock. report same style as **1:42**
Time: **8:02**
